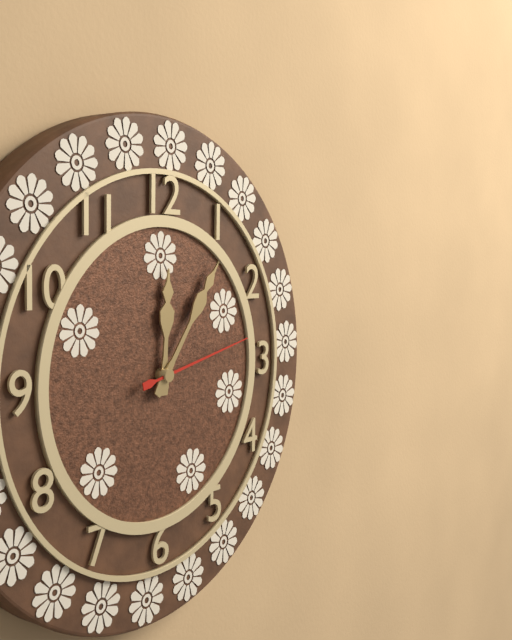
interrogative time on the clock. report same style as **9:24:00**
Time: **12:06:13**
